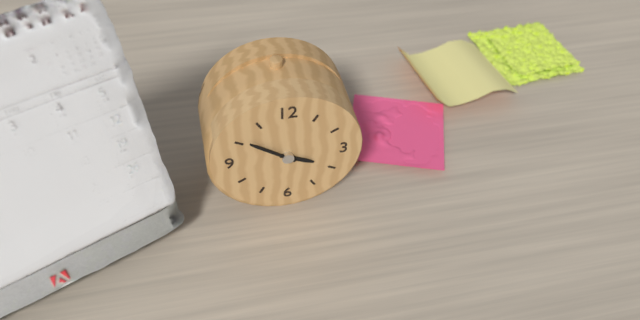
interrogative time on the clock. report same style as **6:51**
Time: **3:51**
